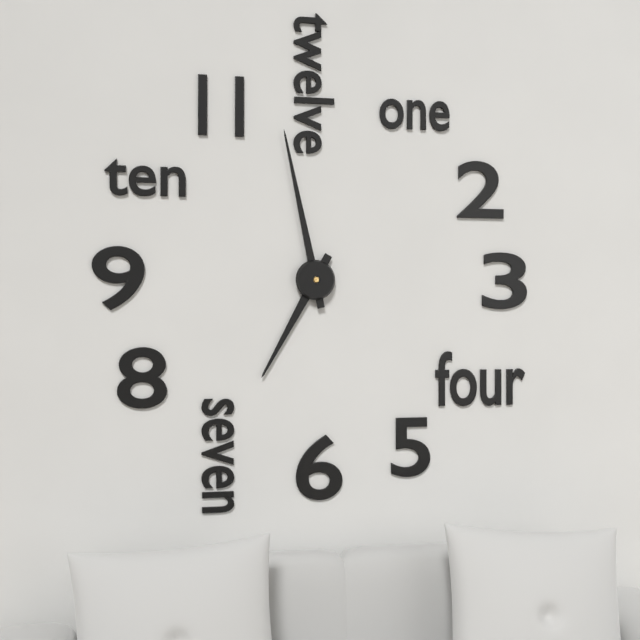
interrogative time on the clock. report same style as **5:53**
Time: **6:58**
